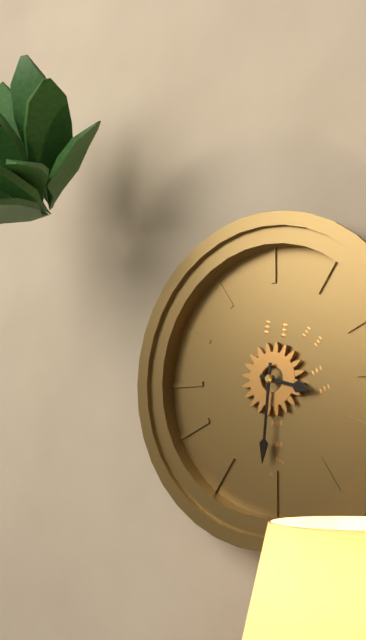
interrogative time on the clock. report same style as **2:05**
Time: **3:31**
